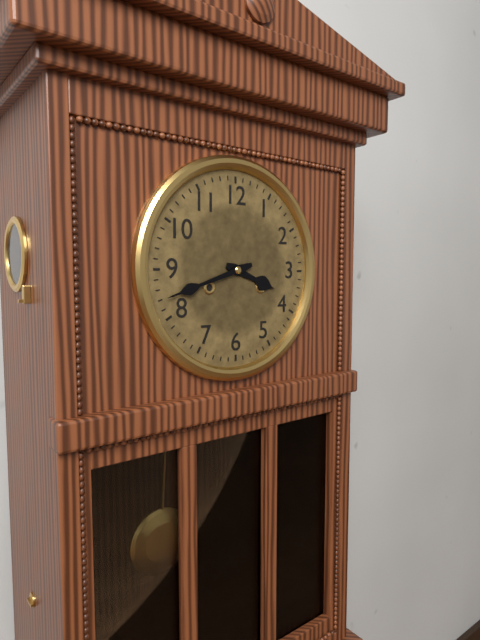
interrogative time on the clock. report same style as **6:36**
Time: **3:42**
